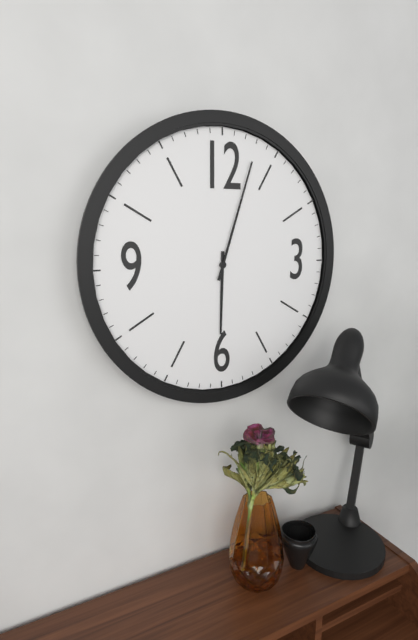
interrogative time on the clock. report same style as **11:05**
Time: **6:03**
